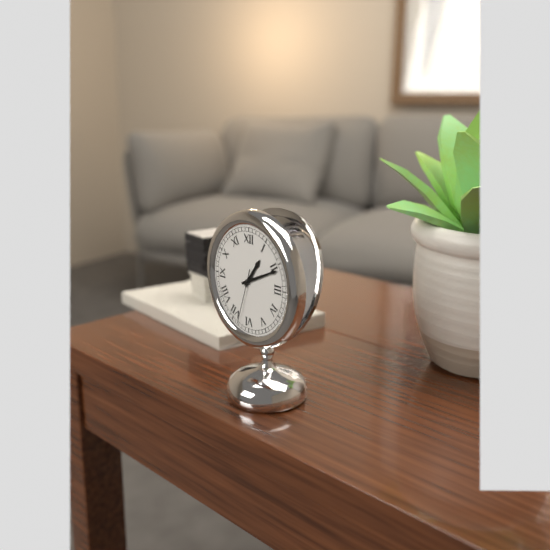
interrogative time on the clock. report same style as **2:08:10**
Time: **1:11:33**
